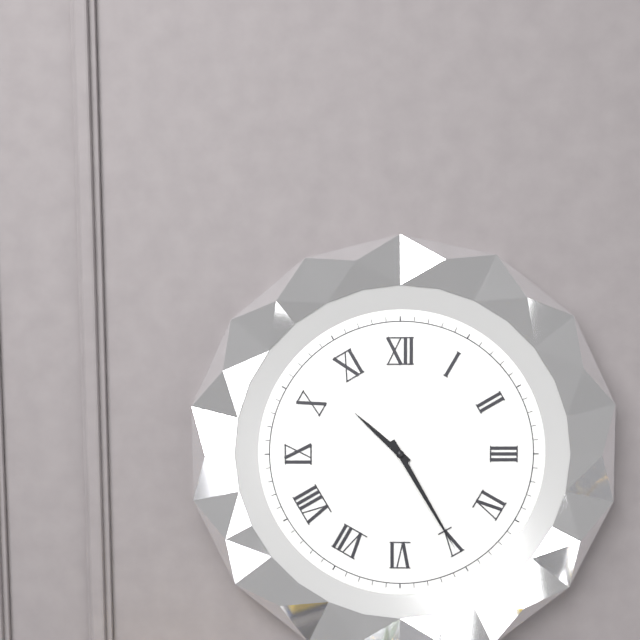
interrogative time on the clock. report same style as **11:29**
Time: **10:25**
